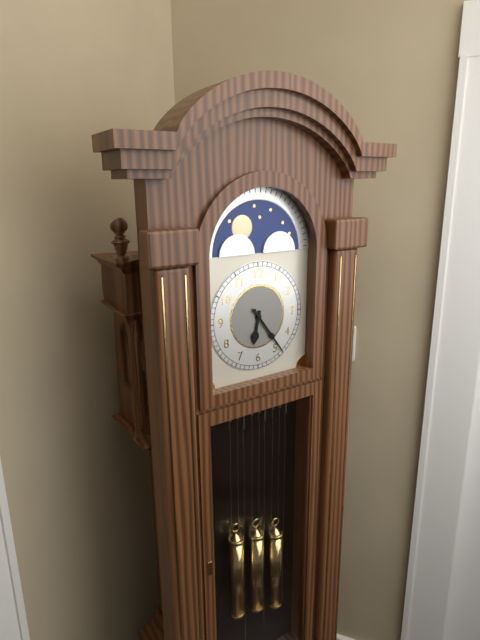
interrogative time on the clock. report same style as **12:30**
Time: **6:24**
